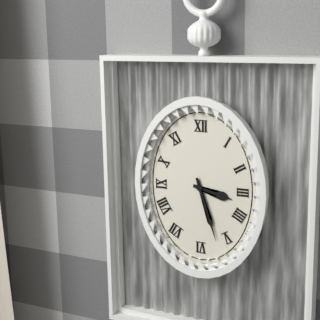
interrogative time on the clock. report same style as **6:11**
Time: **3:27**
